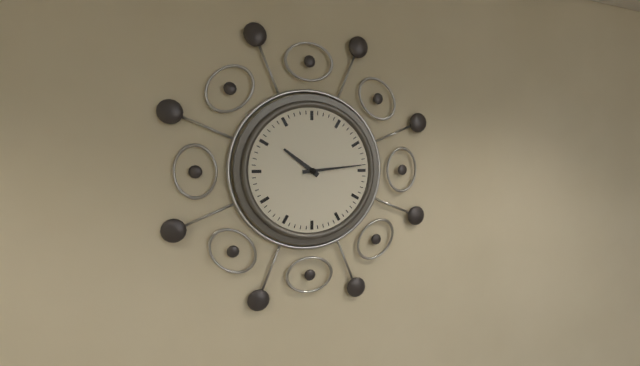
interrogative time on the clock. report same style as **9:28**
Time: **10:14**
